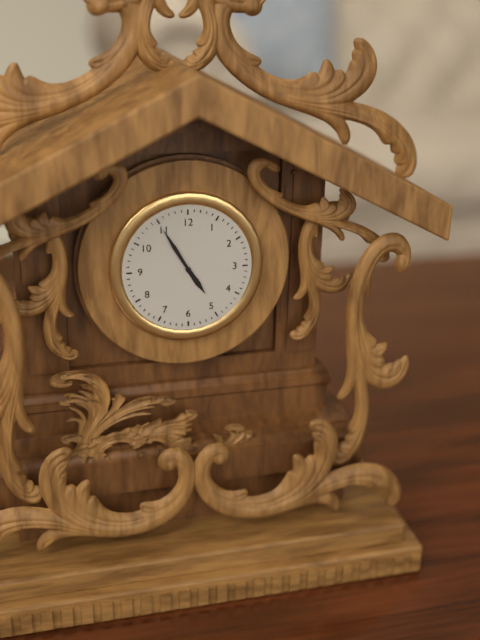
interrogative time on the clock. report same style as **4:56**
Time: **4:55**
